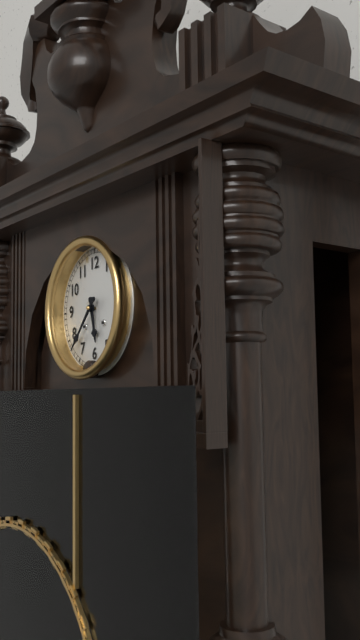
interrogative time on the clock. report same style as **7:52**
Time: **5:37**
